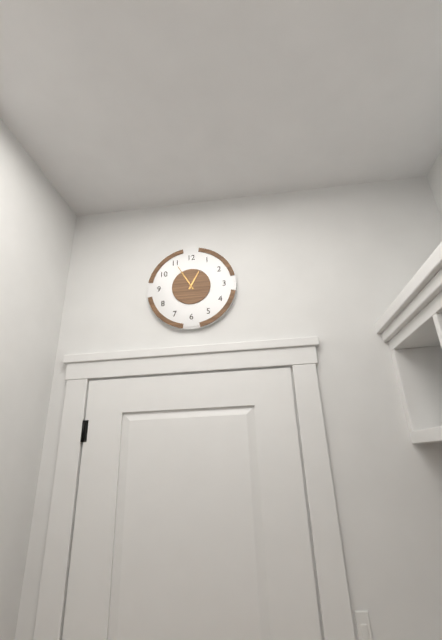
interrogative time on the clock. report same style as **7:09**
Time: **12:55**
